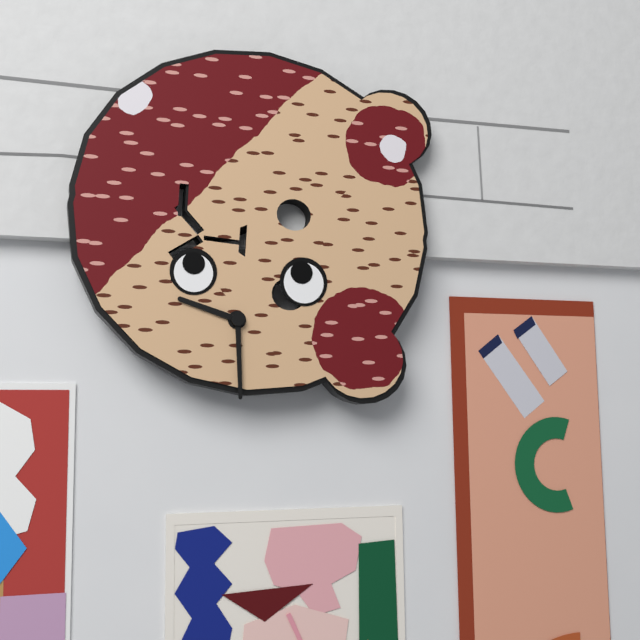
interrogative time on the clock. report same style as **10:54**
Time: **9:29**
